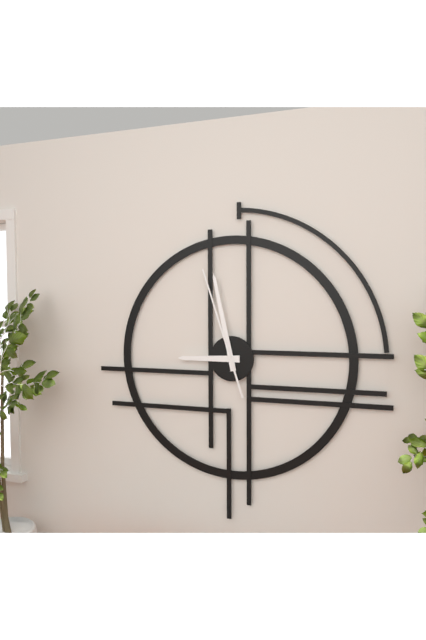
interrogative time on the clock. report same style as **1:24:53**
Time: **8:58:57**
